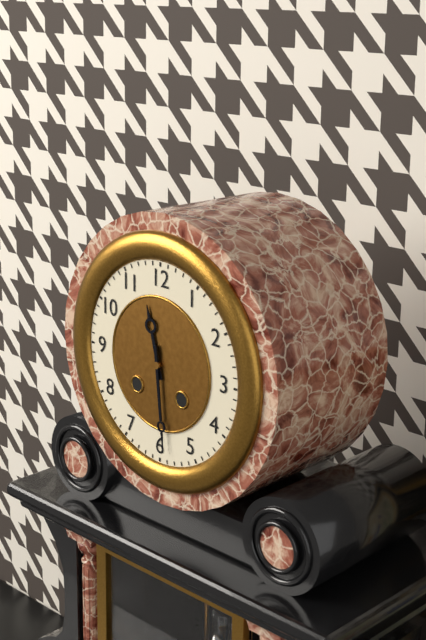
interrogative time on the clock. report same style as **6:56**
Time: **11:29**
